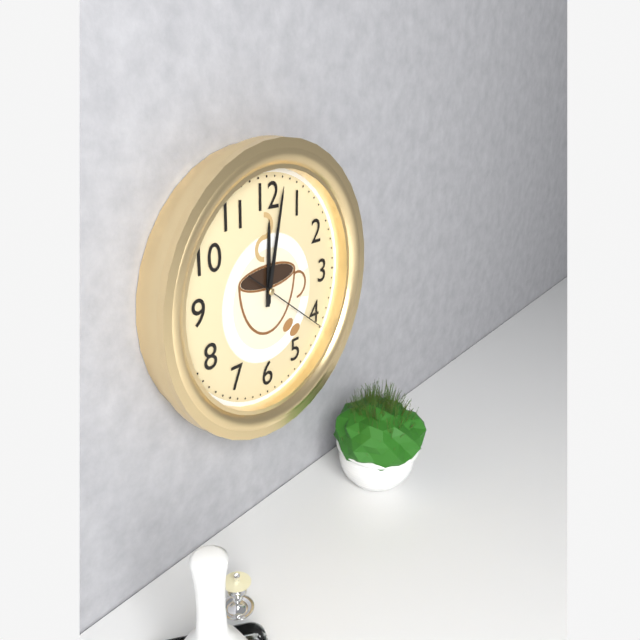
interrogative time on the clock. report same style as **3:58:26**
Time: **12:02:21**
